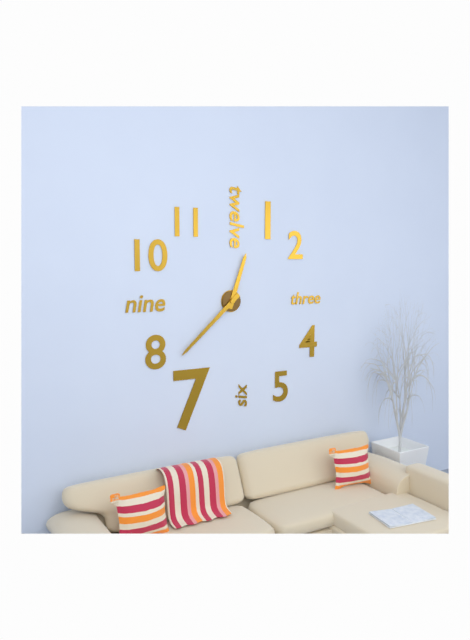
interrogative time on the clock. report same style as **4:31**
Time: **12:38**
